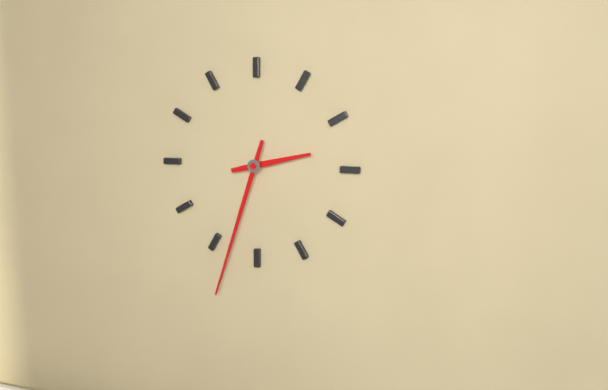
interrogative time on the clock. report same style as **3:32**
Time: **2:33**
